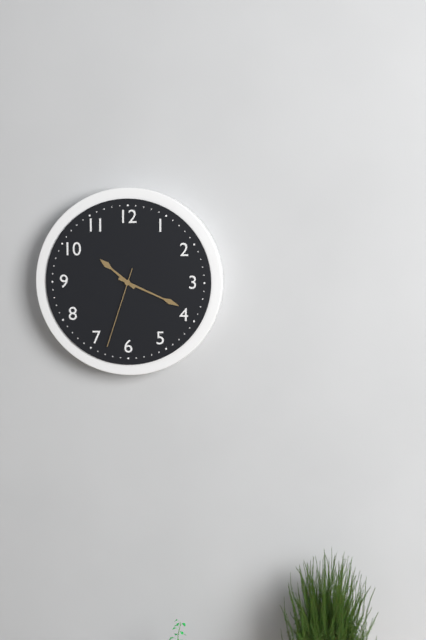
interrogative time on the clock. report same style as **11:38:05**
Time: **10:19:33**
